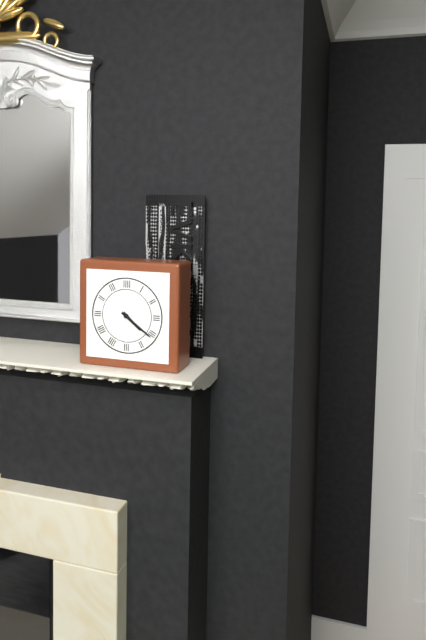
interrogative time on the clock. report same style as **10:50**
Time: **4:21**
